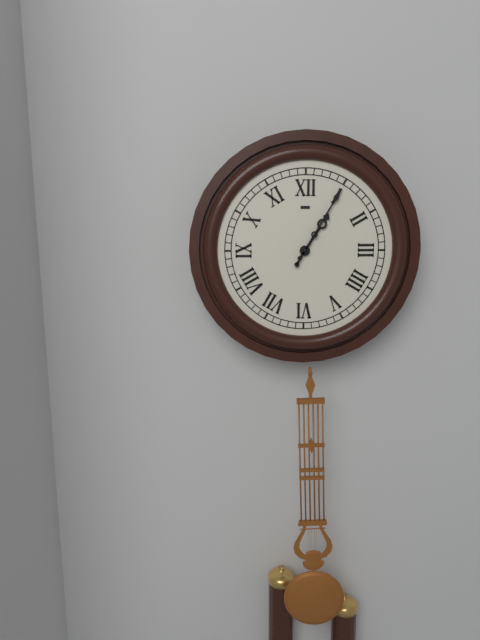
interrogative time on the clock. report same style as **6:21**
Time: **1:05**
